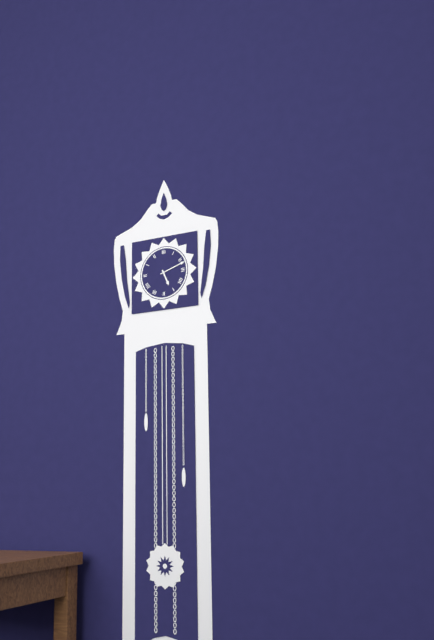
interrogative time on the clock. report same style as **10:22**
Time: **5:12**
